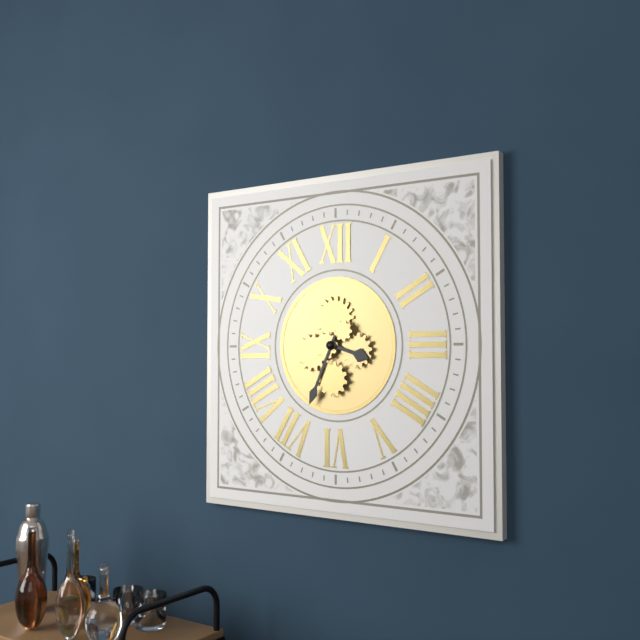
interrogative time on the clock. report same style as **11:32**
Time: **3:34**
